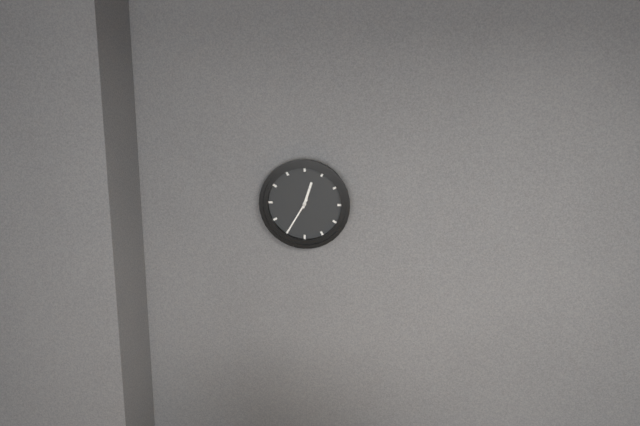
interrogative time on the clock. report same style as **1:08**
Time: **12:35**
